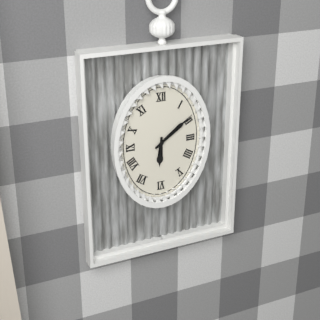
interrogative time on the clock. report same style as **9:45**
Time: **6:09**
